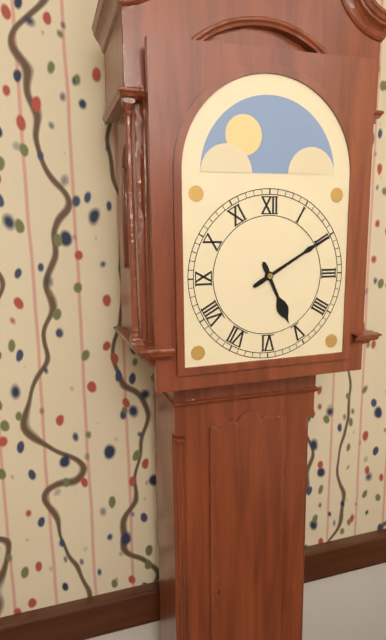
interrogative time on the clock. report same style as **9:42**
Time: **5:10**
